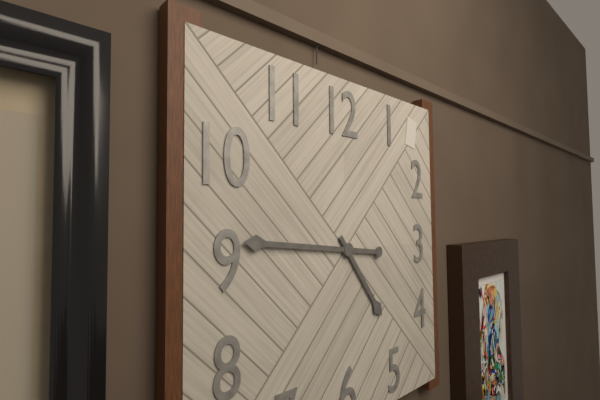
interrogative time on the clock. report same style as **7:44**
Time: **4:46**
